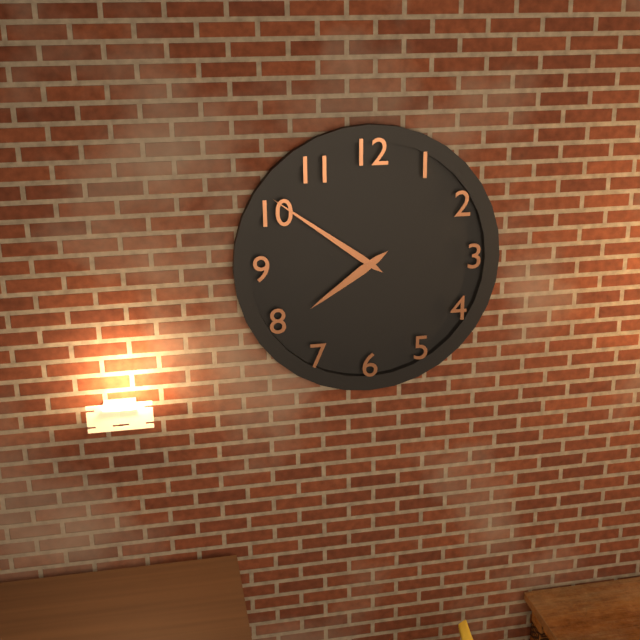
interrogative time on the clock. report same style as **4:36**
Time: **7:51**
